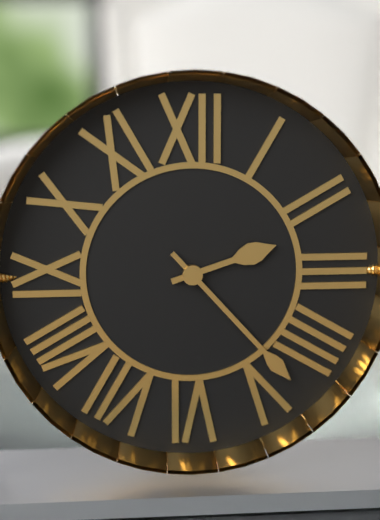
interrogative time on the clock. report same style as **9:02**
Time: **2:23**
